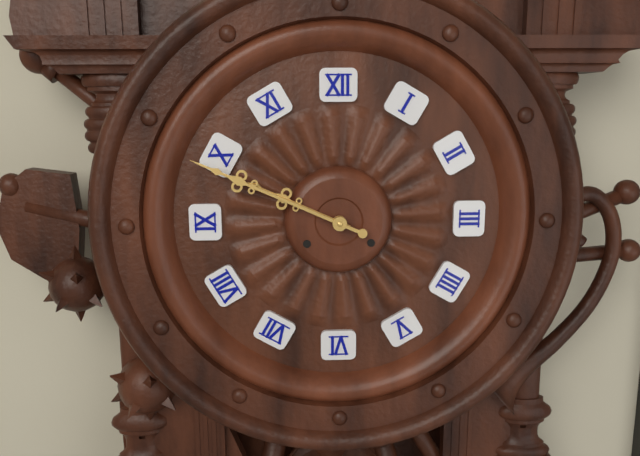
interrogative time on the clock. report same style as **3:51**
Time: **9:49**
